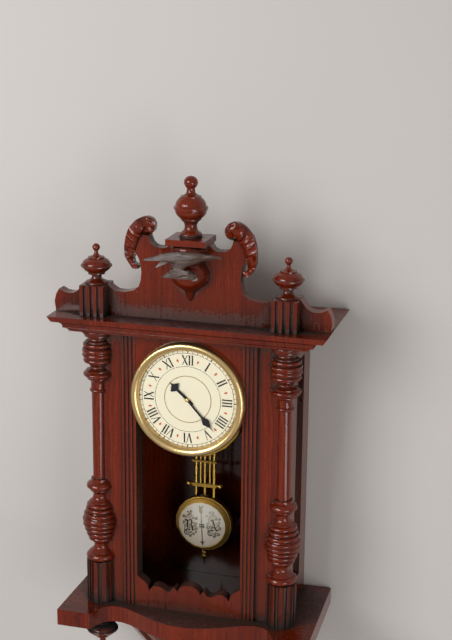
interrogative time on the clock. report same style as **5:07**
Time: **10:23**
